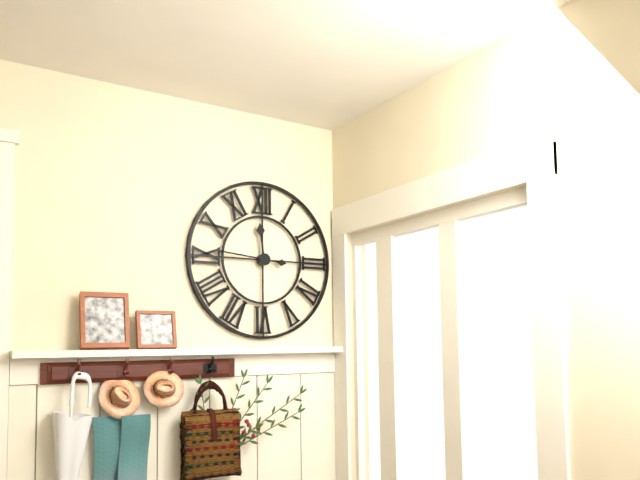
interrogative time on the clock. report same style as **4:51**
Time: **11:46**
